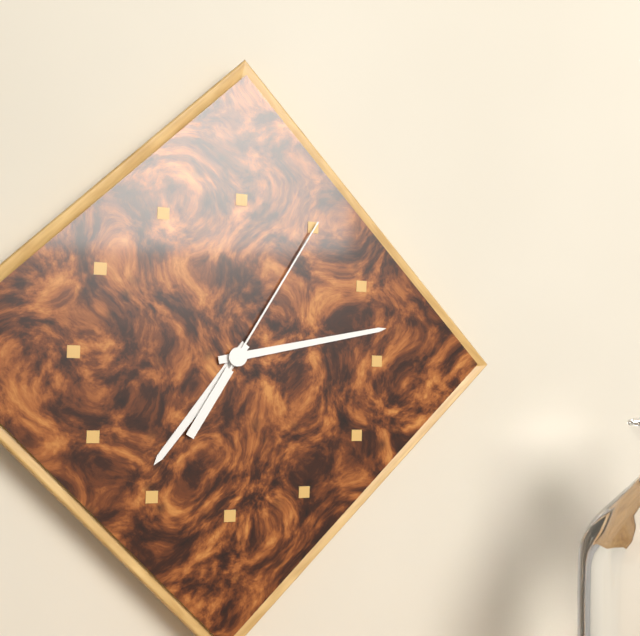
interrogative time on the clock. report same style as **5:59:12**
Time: **7:13:05**
